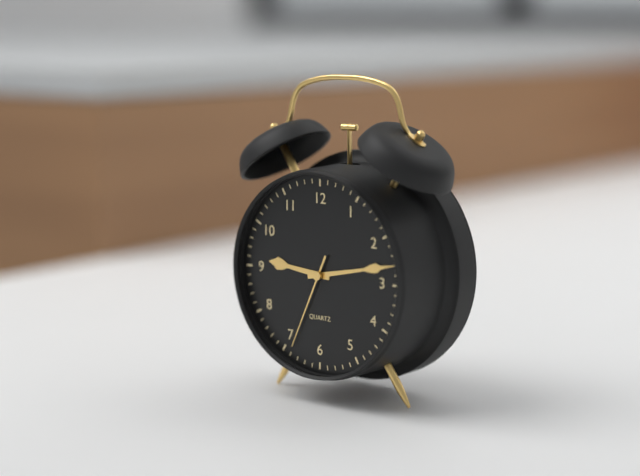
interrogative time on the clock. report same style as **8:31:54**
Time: **9:13:34**
